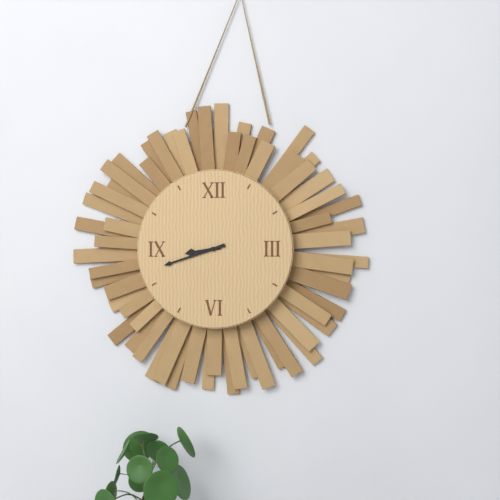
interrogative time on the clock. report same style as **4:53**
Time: **8:42**
